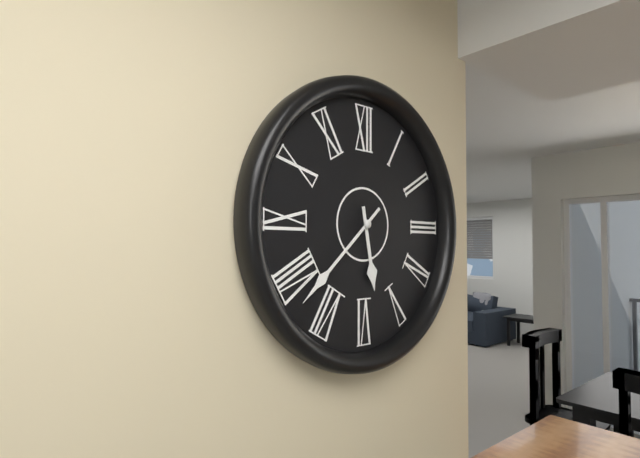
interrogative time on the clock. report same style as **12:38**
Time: **5:38**
